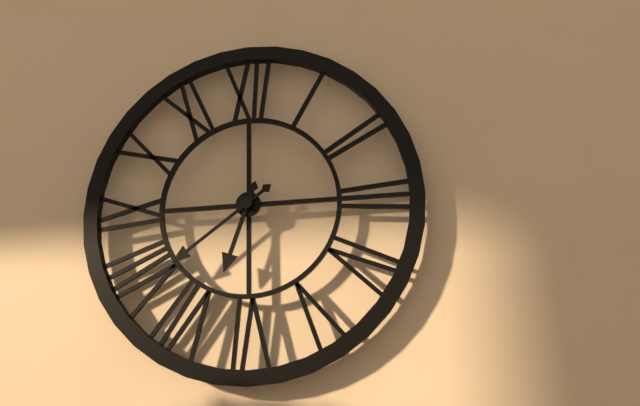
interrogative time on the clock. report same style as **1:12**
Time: **6:39**
